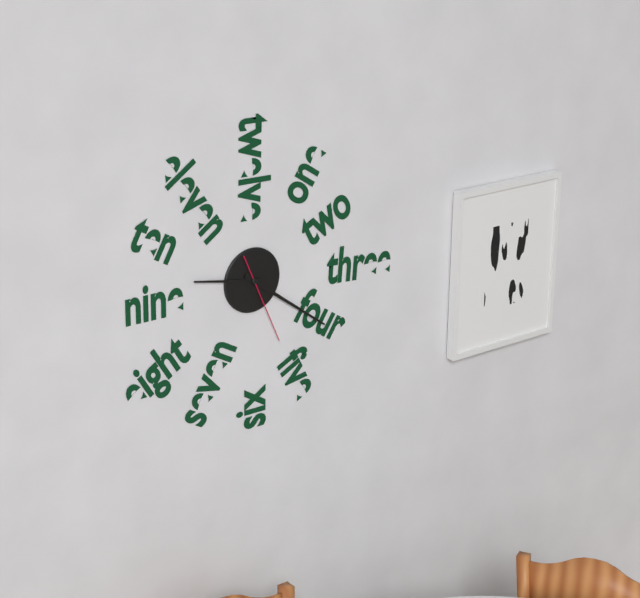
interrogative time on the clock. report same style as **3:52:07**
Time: **9:21:26**
